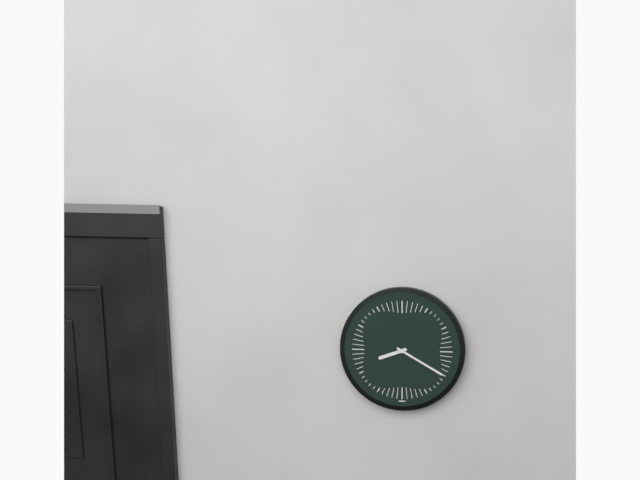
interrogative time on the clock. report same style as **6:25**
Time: **8:20**
